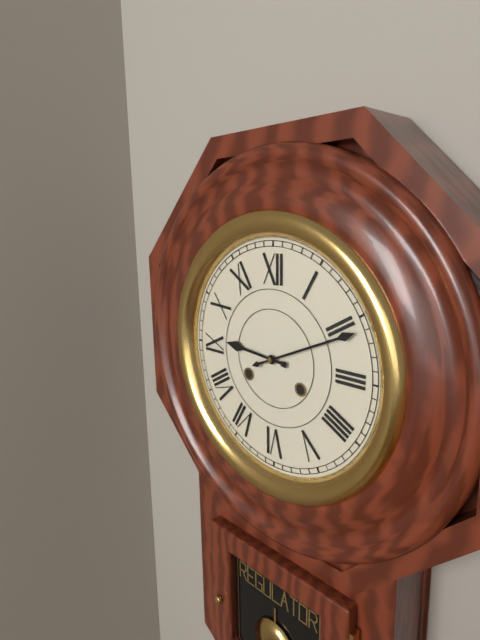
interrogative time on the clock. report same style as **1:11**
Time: **9:11**
